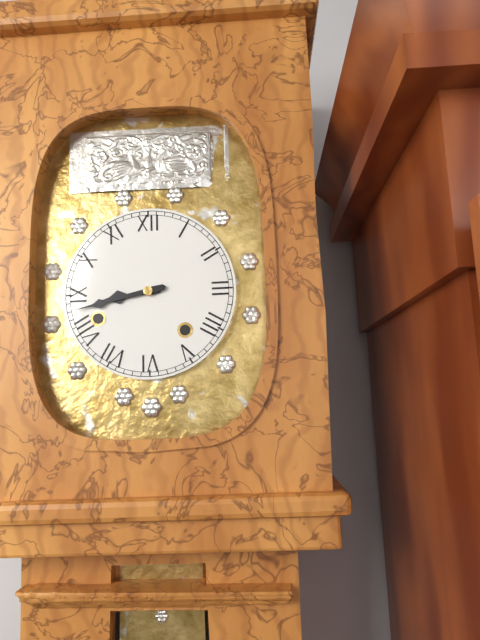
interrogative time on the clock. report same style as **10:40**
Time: **8:43**
